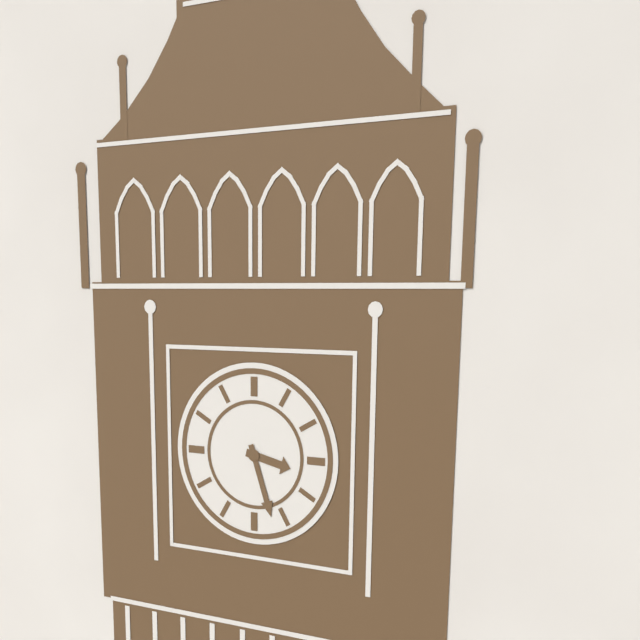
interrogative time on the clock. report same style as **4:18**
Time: **3:27**
